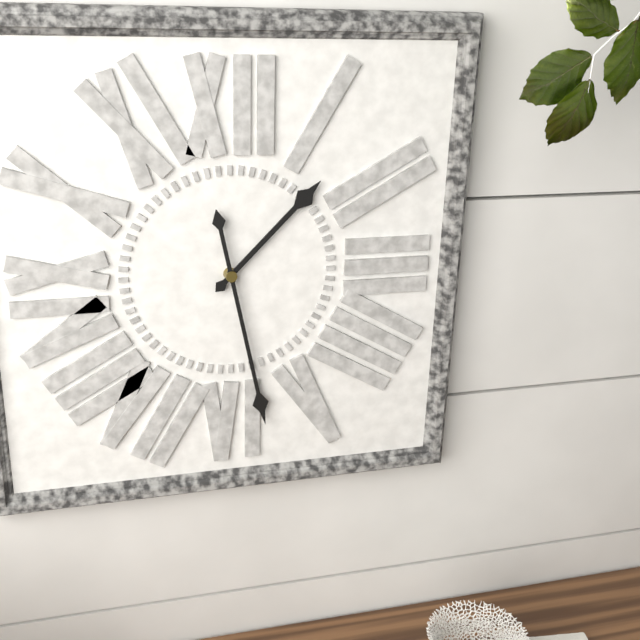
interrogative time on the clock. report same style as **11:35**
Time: **1:28**
